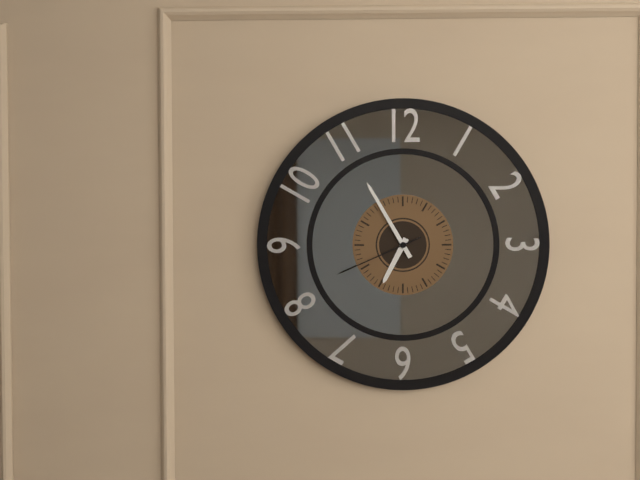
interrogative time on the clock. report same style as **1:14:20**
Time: **6:55:41**
